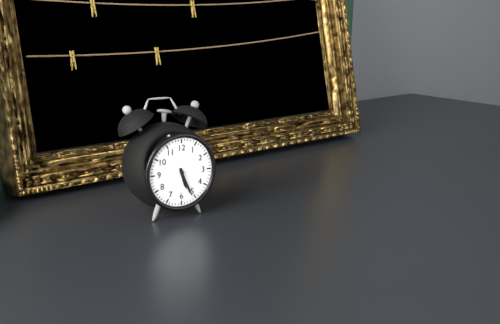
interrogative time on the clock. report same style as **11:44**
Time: **5:26**
